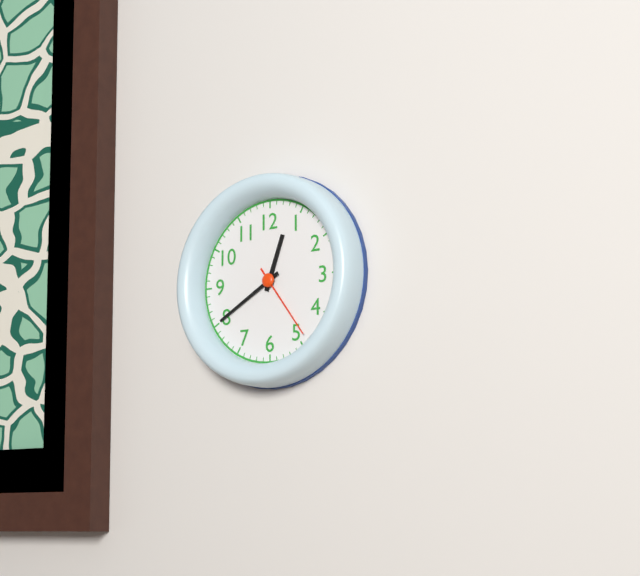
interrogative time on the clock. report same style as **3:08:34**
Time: **12:40:24**
